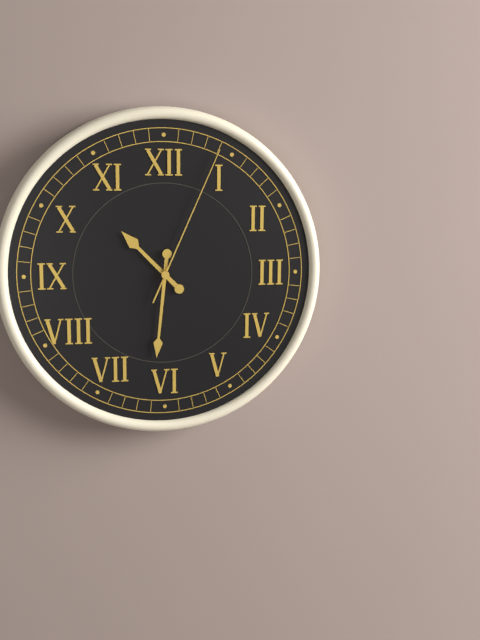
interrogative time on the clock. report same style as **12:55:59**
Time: **10:31:04**
